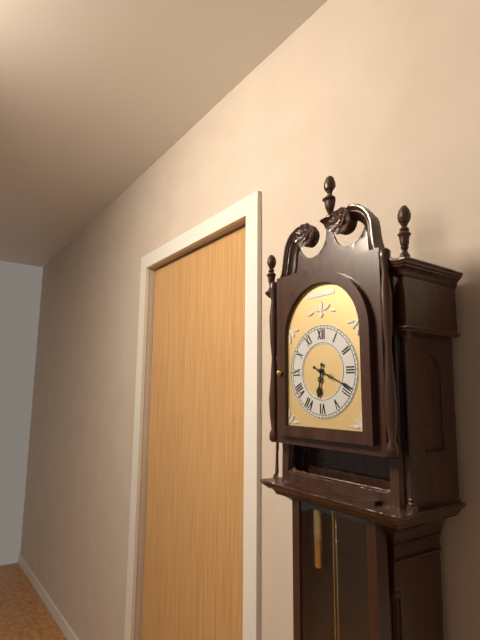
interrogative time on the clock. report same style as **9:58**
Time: **6:19**
